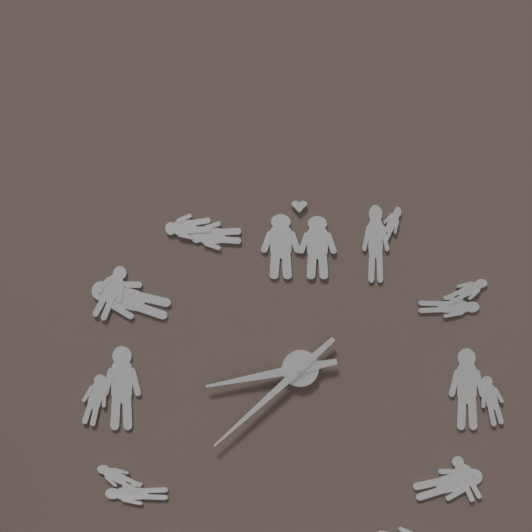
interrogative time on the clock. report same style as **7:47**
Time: **8:38**
